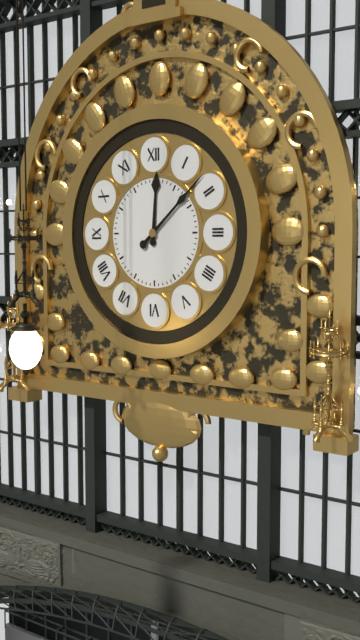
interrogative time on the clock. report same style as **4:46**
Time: **12:08**
